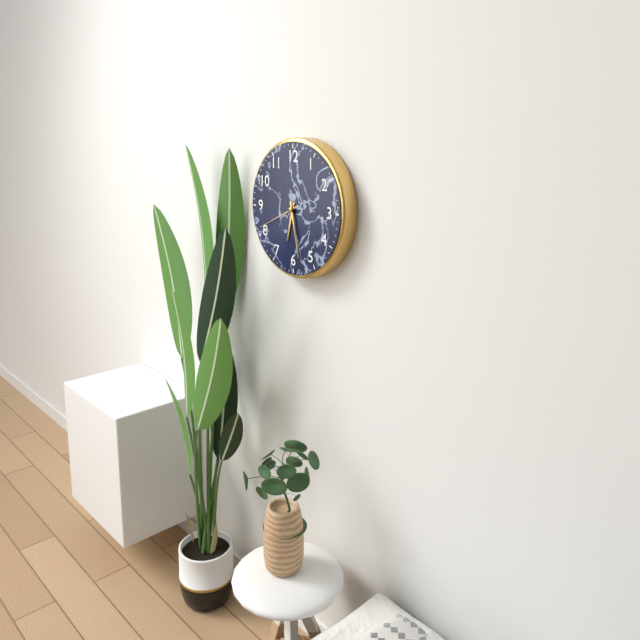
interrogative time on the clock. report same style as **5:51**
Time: **6:28**
